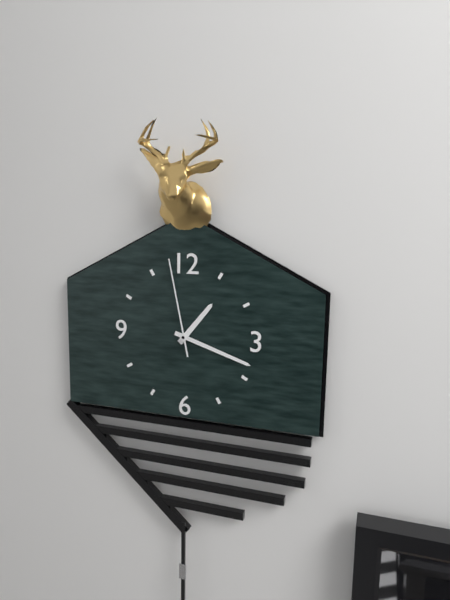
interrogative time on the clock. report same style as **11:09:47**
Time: **1:18:58**
